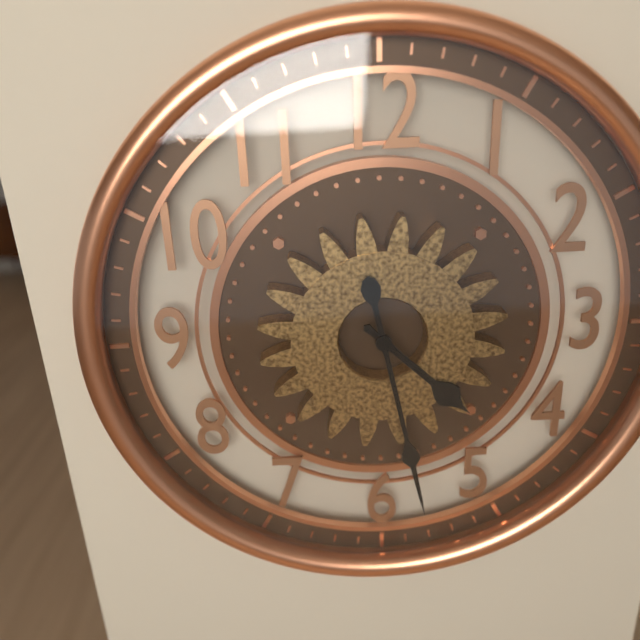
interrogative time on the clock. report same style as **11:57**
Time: **4:28**
